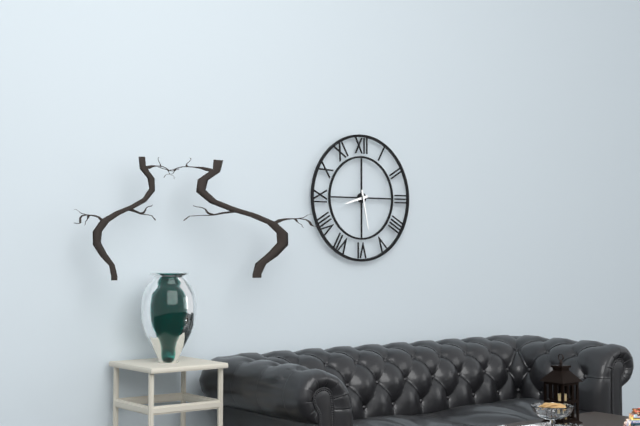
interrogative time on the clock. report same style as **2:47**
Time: **8:28**
